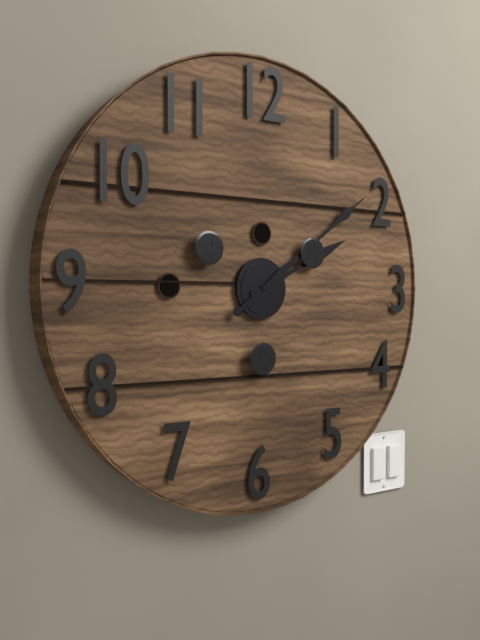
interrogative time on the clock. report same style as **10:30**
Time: **2:09**
